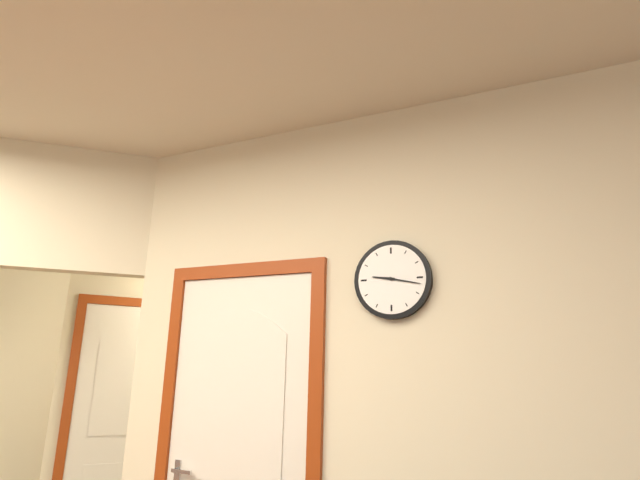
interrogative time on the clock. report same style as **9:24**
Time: **9:17**
